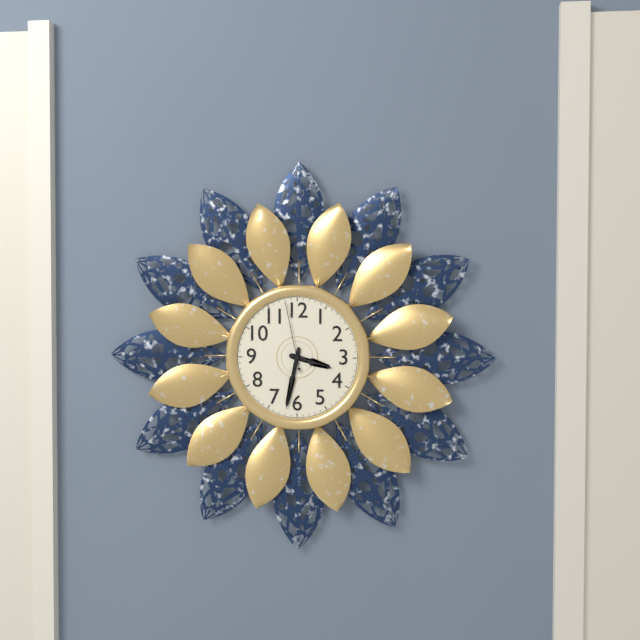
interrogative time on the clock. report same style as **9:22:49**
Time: **3:32:58**
